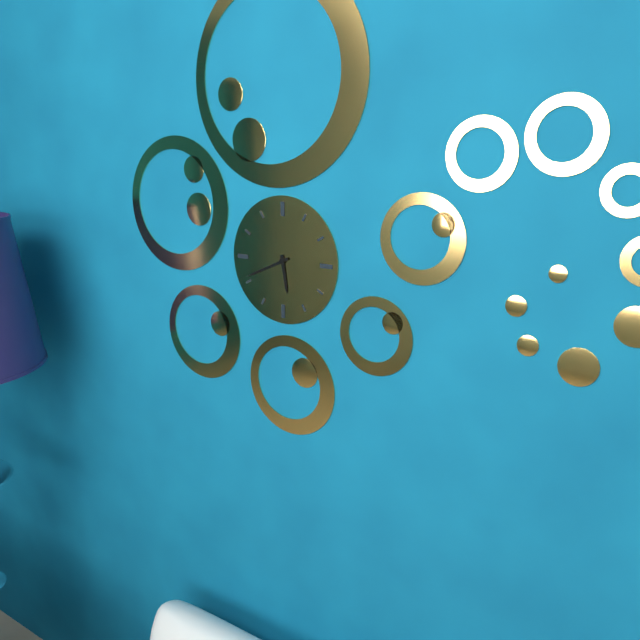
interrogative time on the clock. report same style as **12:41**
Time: **5:41**
